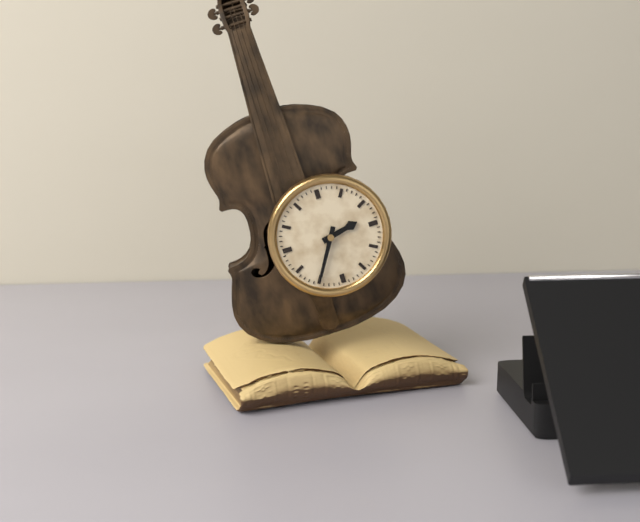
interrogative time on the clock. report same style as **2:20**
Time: **2:35**
